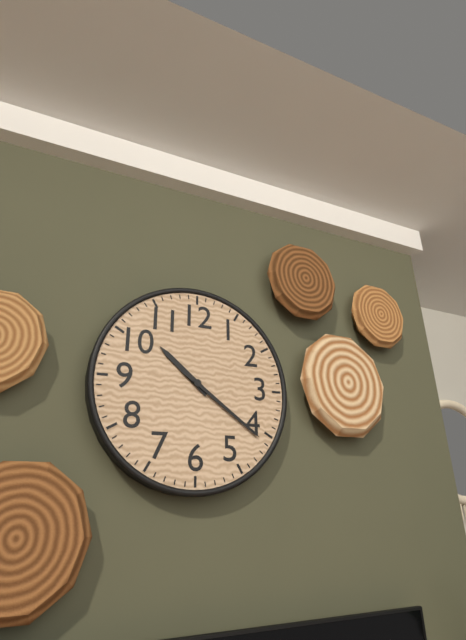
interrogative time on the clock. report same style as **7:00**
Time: **10:21**
